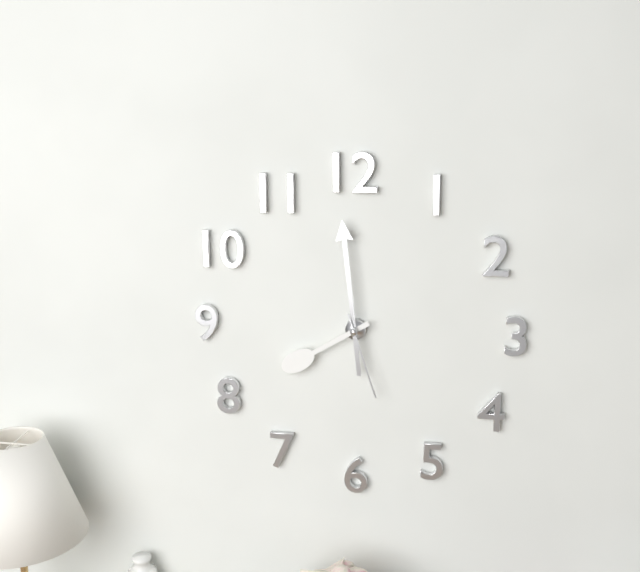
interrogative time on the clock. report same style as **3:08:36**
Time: **7:59:27**
